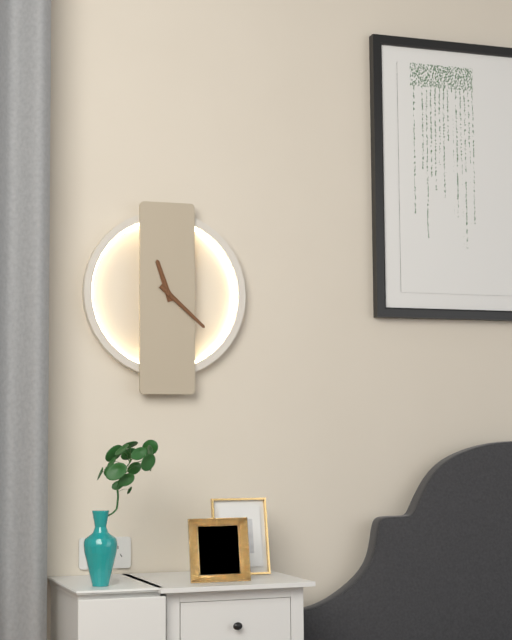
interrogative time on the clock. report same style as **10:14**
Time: **11:22**
